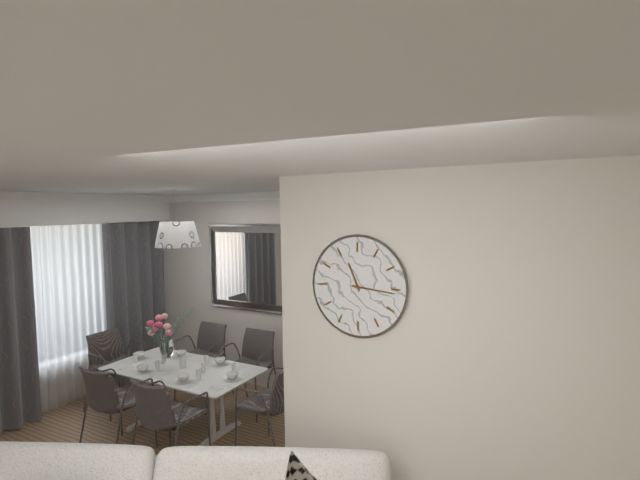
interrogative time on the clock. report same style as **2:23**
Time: **11:16**
